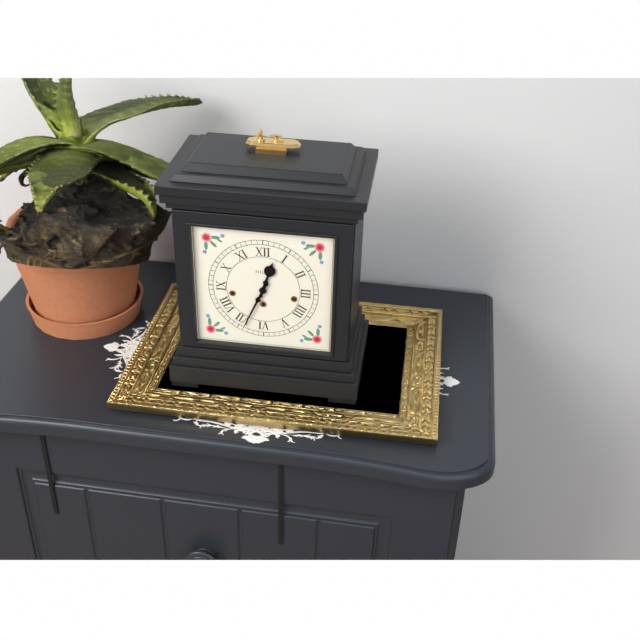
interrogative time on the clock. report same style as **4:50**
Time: **12:34**
